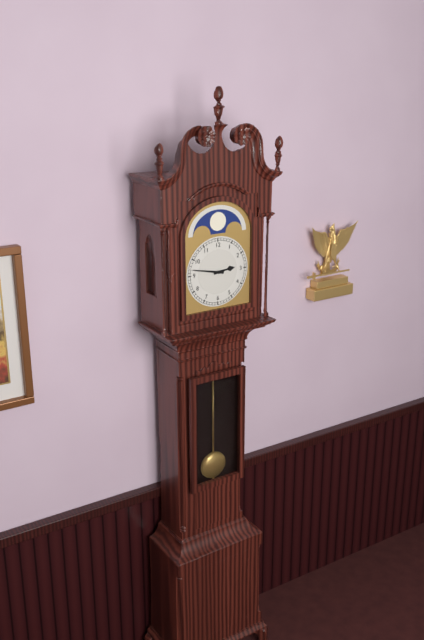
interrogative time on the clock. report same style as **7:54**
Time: **2:47**
